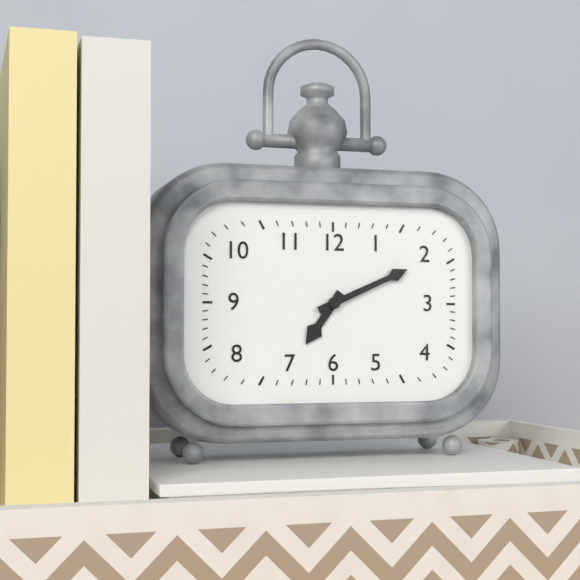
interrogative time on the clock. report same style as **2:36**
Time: **7:11**
